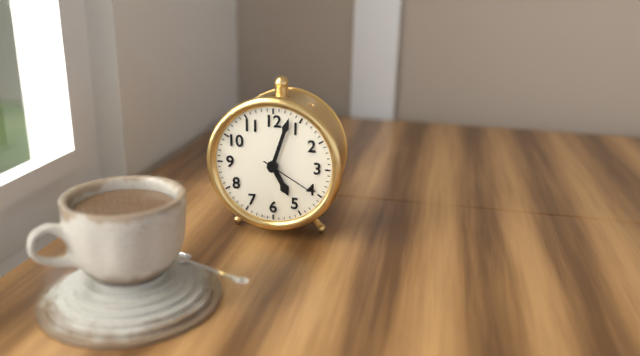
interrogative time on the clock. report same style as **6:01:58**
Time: **5:03:20**
